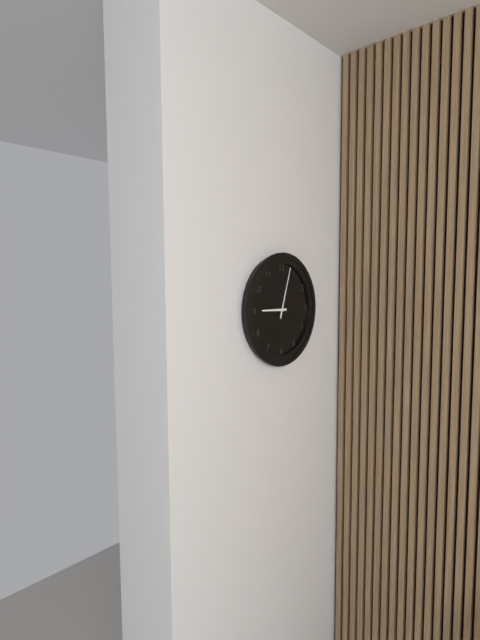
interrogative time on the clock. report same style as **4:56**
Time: **9:03**
